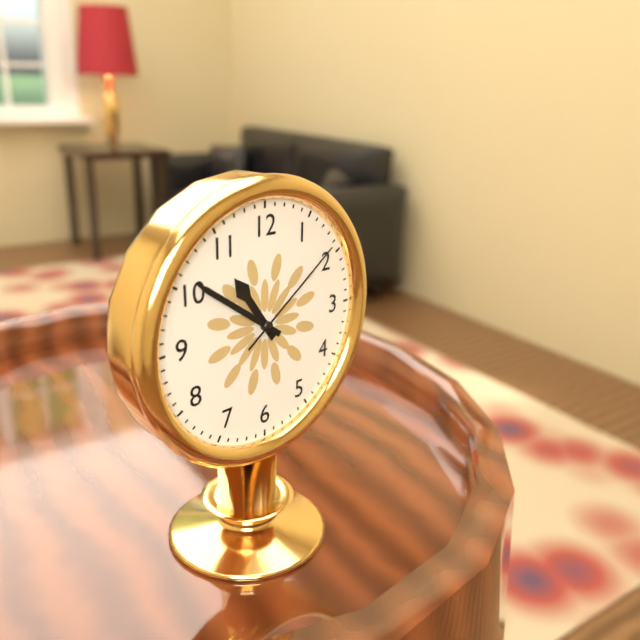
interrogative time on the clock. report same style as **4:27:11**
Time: **10:51:09**
